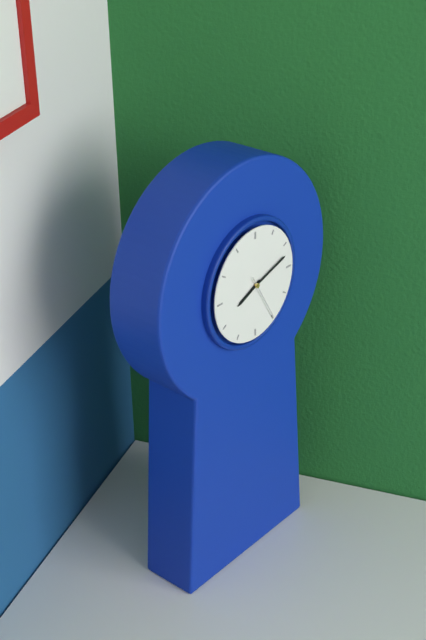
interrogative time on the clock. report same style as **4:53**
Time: **8:12**
